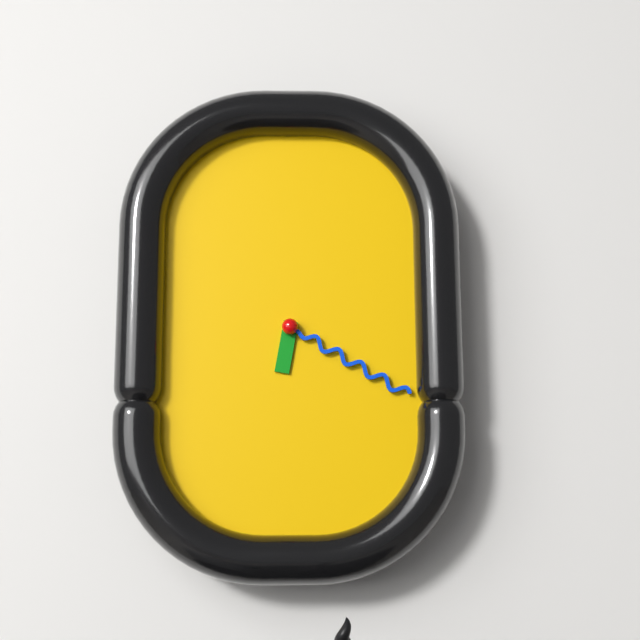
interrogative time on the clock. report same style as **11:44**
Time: **6:20**
